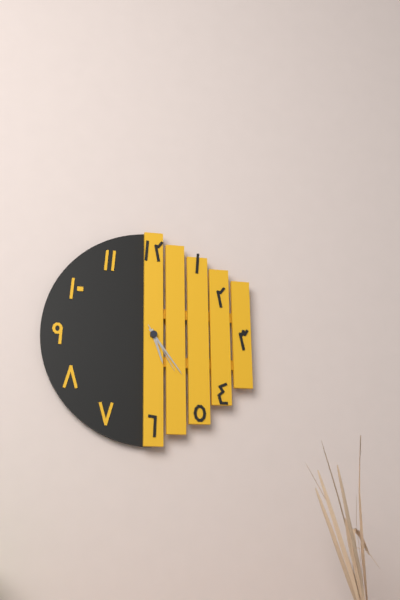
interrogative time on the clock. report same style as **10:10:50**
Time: **5:24:25**
